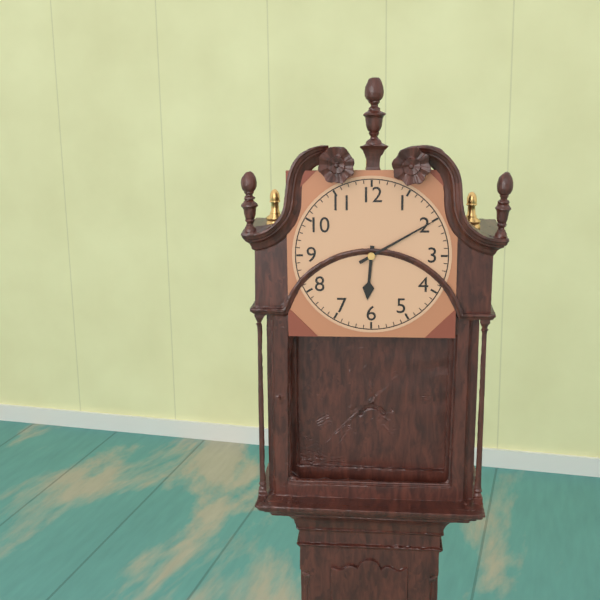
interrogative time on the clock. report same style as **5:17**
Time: **6:10**
